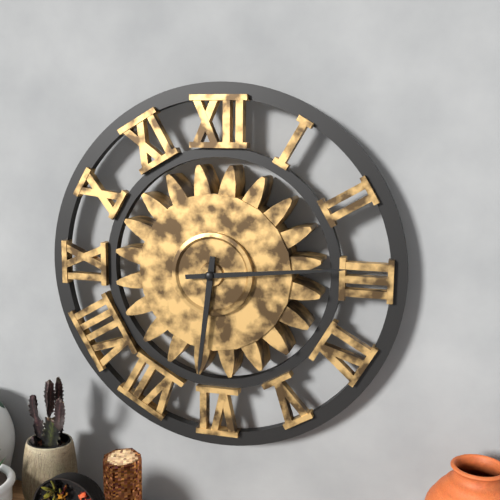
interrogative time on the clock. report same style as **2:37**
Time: **6:14**
